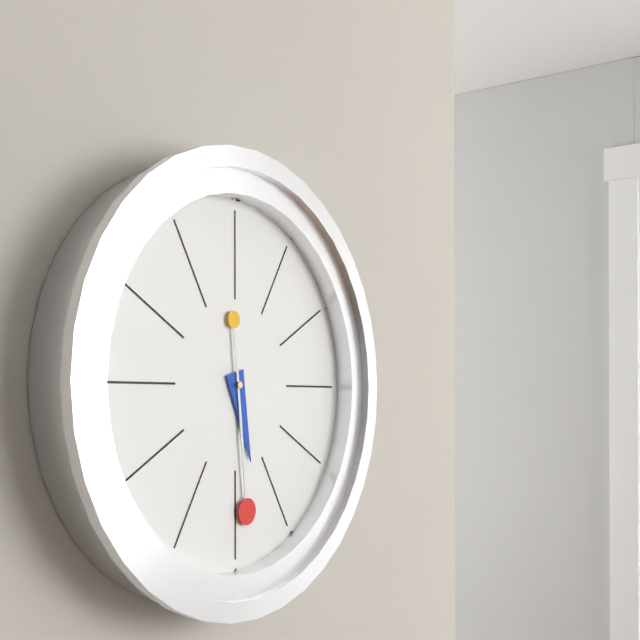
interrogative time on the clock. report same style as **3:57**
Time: **5:29**
